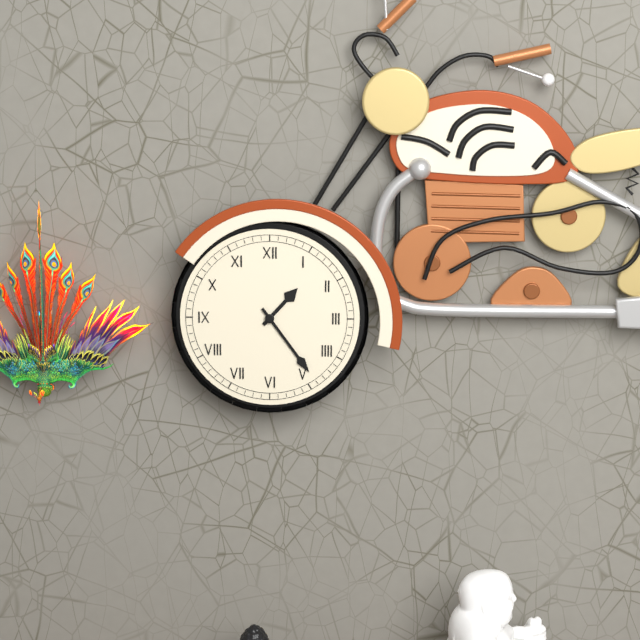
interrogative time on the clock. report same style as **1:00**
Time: **1:24**
